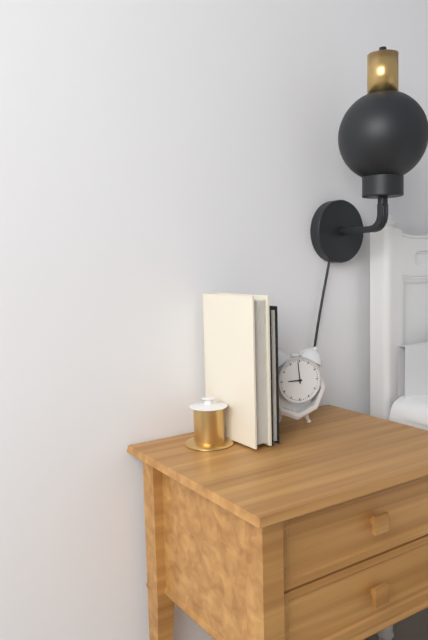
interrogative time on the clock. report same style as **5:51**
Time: **8:59**
